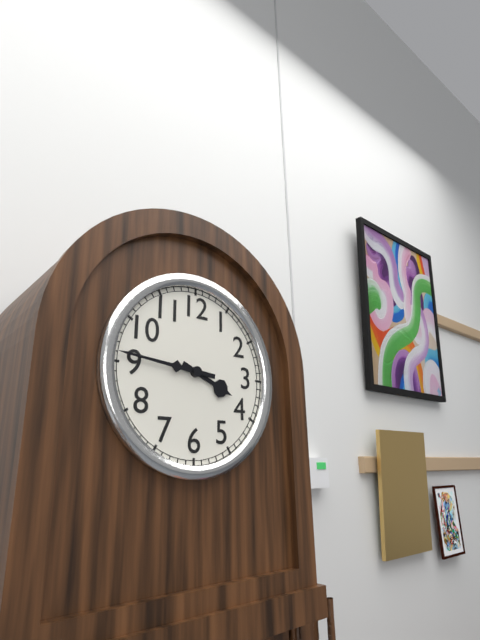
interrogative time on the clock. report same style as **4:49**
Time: **3:46**
